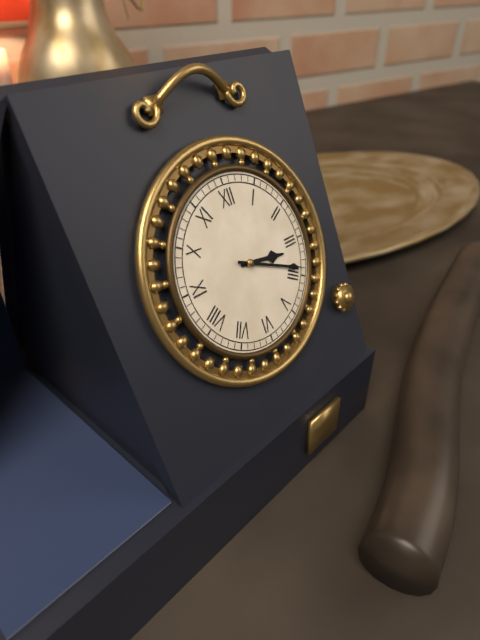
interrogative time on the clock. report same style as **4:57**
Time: **3:19**
